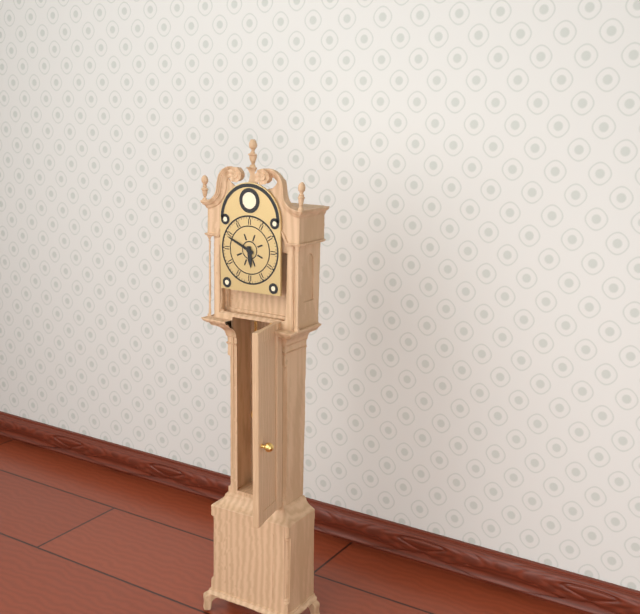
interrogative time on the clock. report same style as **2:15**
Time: **5:49**
